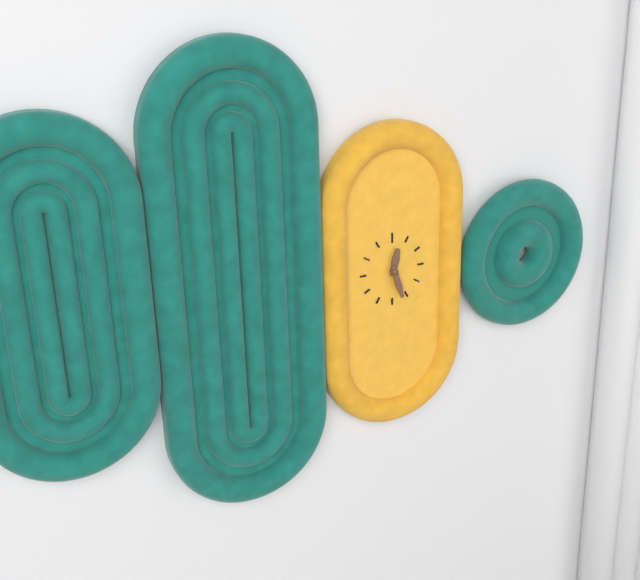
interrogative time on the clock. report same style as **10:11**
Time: **12:27**
